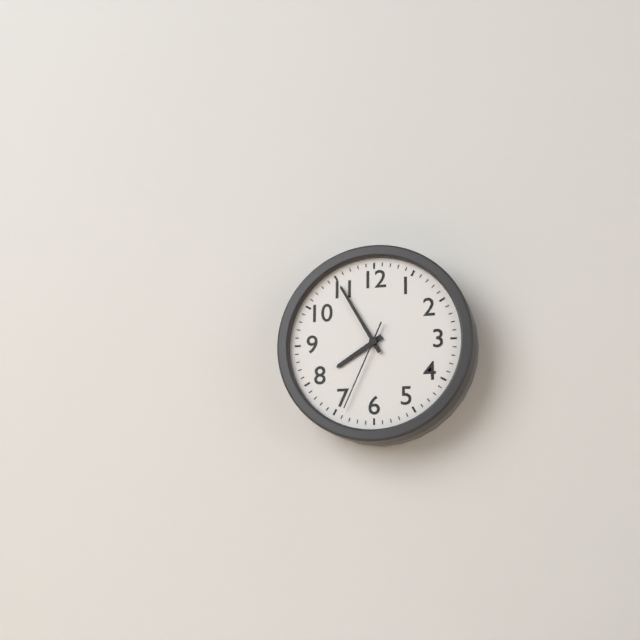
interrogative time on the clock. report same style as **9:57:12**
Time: **7:55:34**
